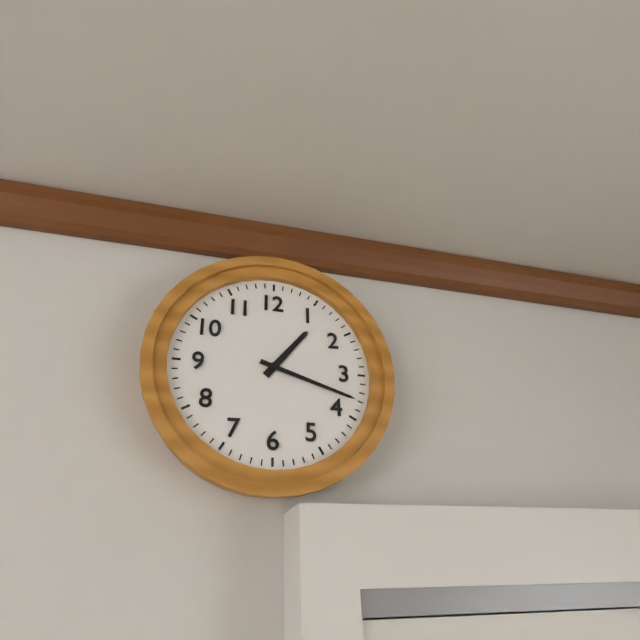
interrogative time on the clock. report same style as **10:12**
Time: **1:18**
